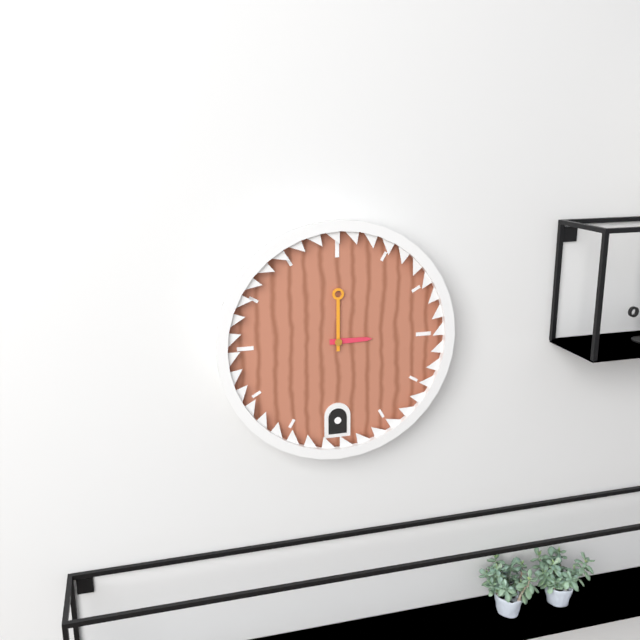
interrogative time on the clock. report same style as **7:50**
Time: **3:00**
